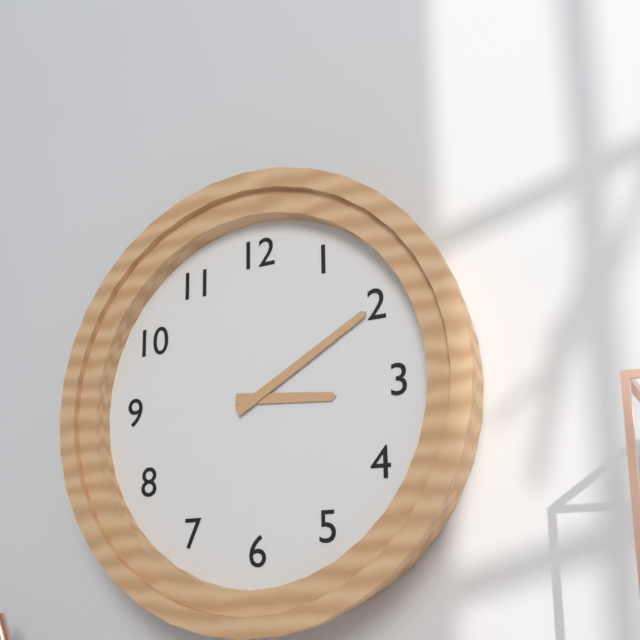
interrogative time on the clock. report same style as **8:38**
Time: **3:10**
